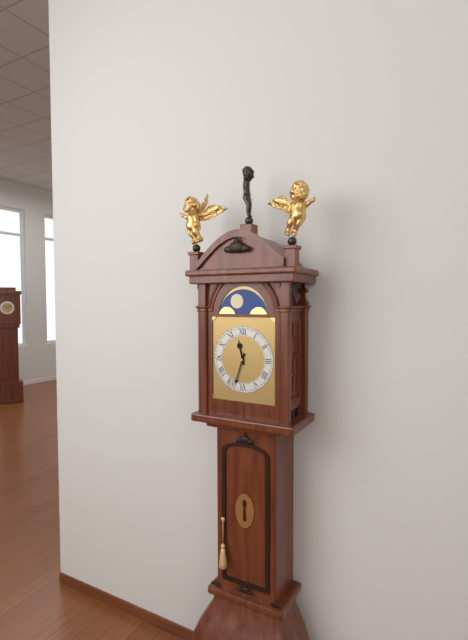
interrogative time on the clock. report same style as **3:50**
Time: **11:33**
